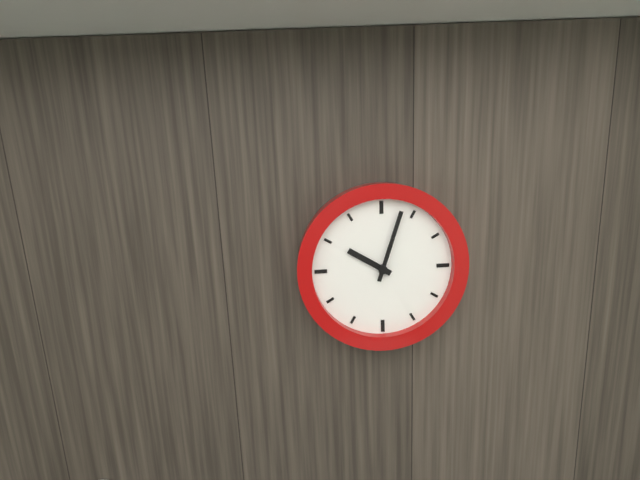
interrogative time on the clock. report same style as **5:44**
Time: **10:03**
